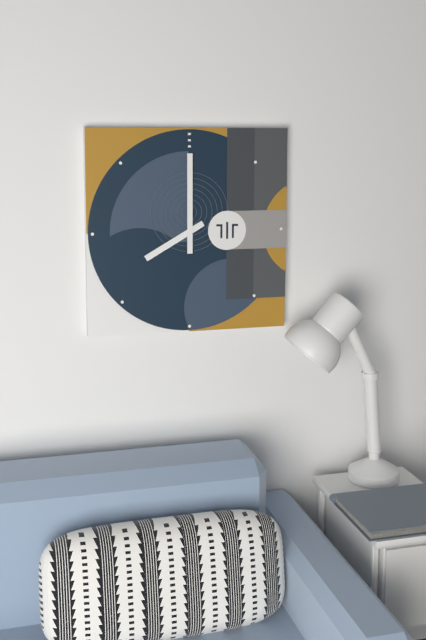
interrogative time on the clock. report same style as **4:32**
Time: **8:00**
